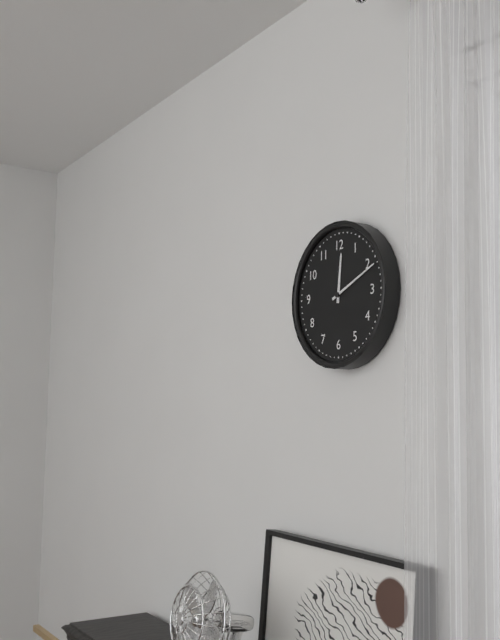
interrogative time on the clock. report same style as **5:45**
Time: **12:11**
